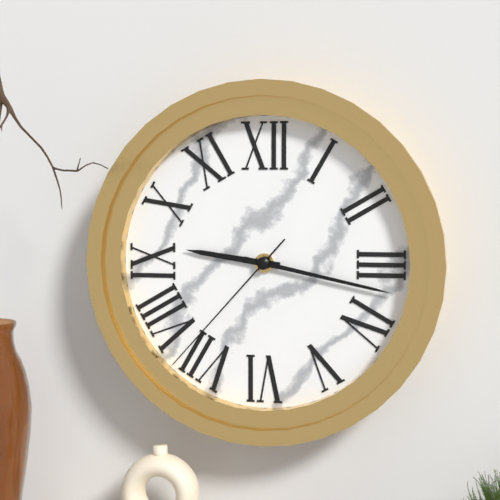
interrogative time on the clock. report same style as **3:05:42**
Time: **9:17:37**
